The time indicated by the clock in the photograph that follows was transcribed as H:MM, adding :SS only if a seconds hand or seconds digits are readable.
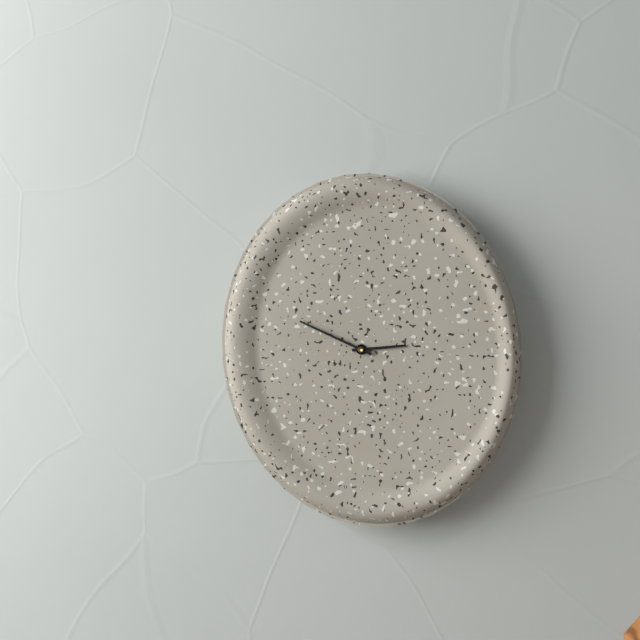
2:49
